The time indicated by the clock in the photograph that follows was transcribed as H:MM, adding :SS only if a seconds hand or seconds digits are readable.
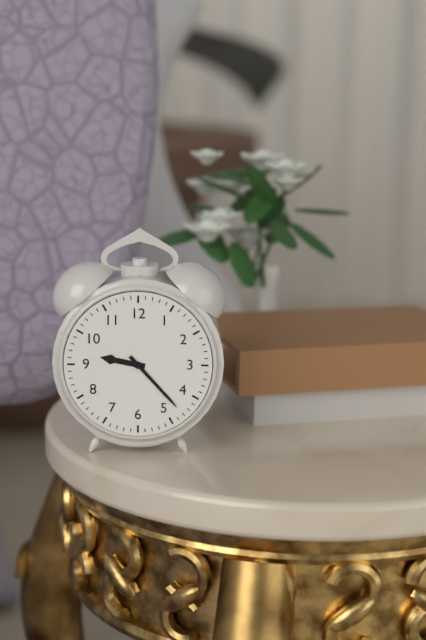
9:23
